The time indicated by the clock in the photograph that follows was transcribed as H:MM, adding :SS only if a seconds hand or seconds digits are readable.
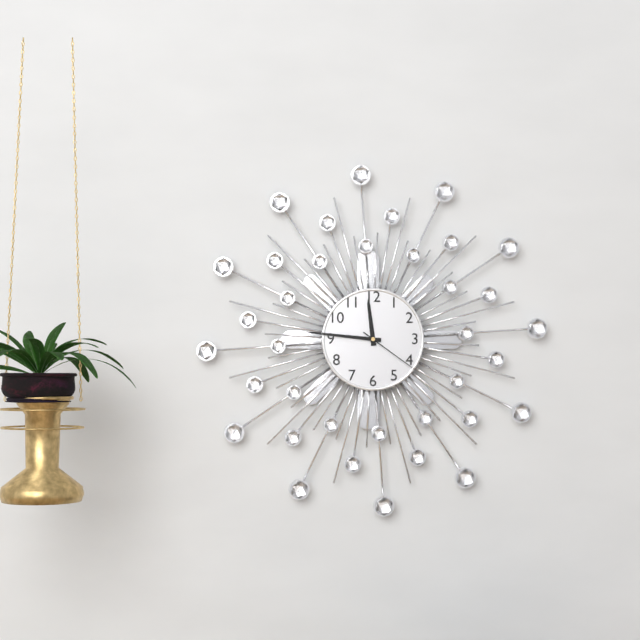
11:46:21
